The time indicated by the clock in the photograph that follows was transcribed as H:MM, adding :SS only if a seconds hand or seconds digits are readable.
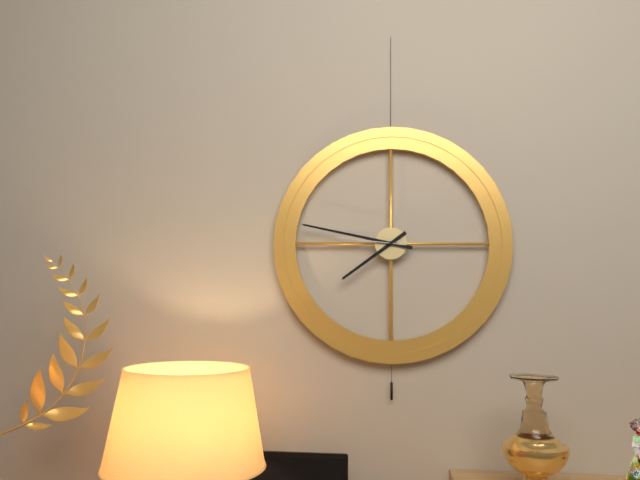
7:47:46
